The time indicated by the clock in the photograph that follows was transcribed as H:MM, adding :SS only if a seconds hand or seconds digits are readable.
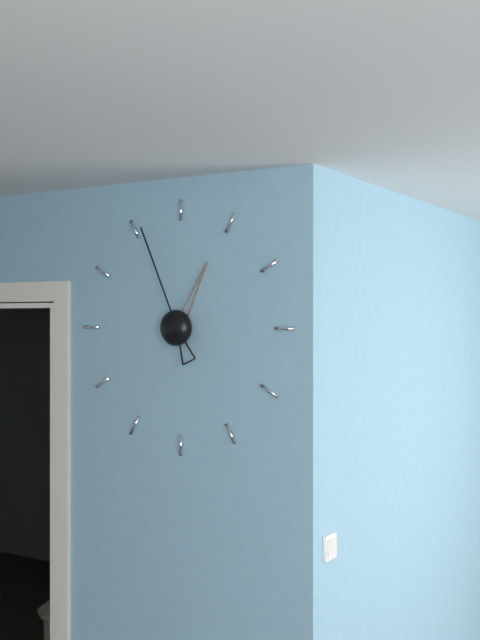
12:56
